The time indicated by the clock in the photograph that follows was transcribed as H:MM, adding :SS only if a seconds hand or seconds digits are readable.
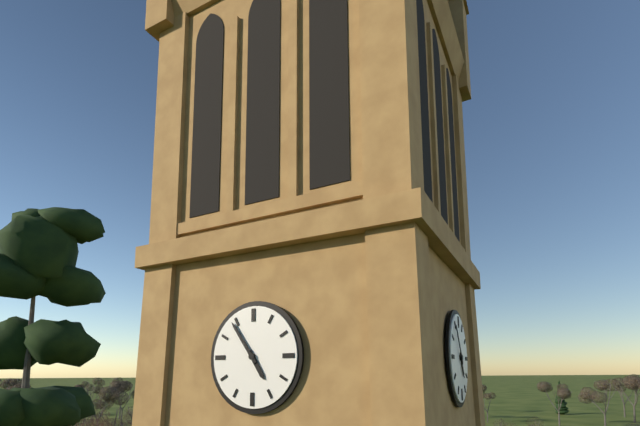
4:54
